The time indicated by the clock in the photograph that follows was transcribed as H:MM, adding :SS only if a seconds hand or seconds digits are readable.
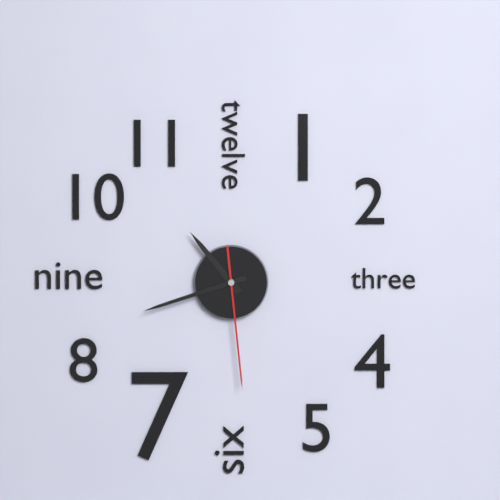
10:42:29
